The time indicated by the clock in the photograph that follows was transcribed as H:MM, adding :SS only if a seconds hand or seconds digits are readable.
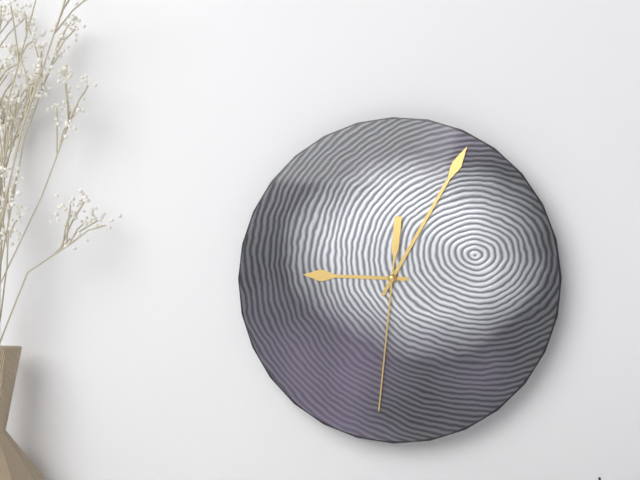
9:05:31
